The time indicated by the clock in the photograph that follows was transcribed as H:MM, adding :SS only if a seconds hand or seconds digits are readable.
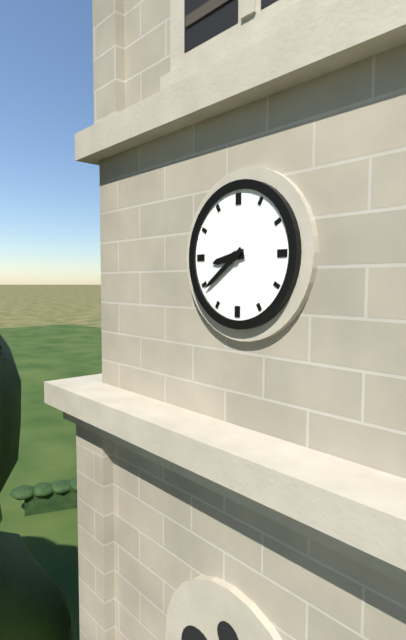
8:39
